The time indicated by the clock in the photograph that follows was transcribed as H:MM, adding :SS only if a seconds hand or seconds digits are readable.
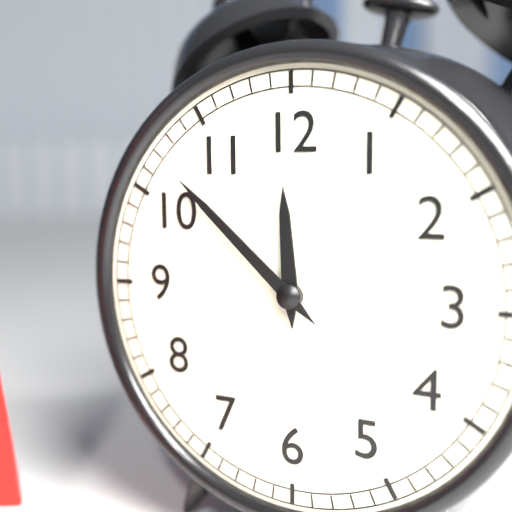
11:52
